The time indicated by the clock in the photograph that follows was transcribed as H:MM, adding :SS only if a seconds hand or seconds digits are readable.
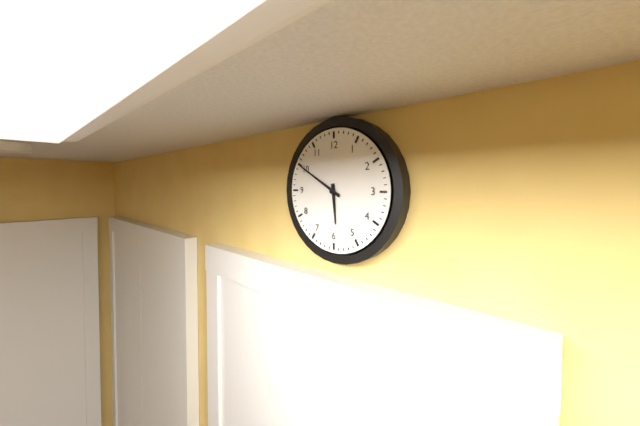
5:50
